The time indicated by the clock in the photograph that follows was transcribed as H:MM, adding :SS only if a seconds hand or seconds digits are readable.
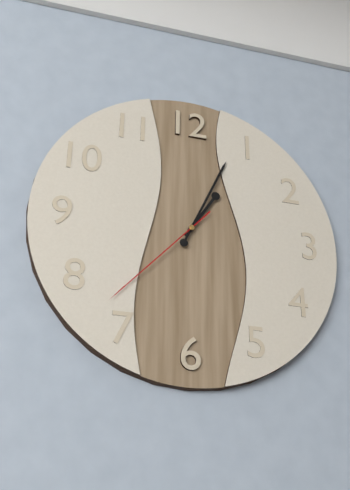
1:04:37
